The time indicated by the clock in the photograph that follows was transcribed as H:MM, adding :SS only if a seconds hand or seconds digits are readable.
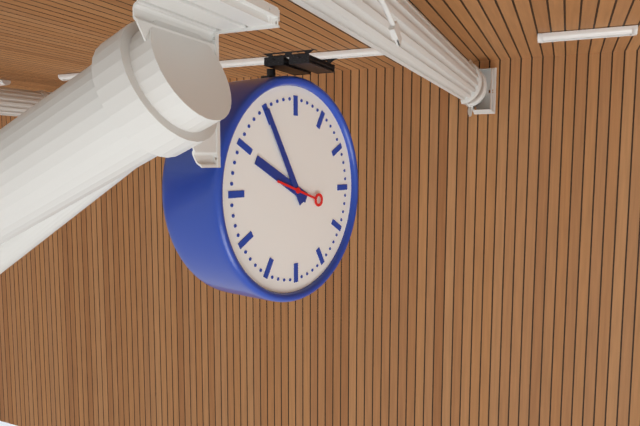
9:55
